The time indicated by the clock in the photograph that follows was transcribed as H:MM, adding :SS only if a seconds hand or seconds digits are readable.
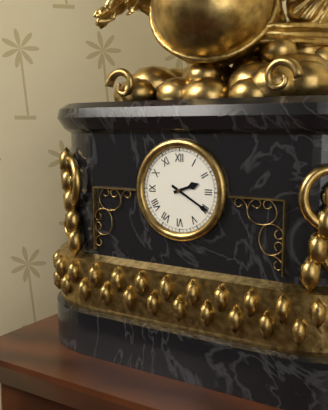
2:20
